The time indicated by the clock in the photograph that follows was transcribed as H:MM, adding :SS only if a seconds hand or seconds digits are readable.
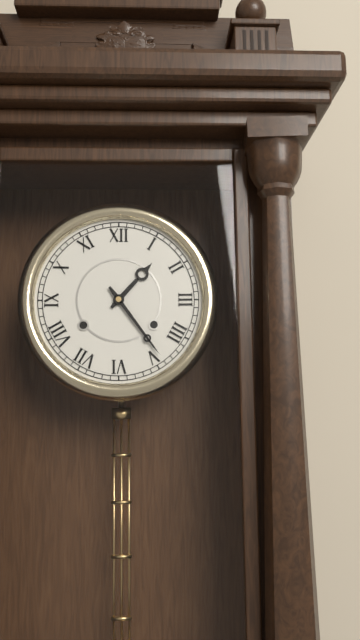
1:24
